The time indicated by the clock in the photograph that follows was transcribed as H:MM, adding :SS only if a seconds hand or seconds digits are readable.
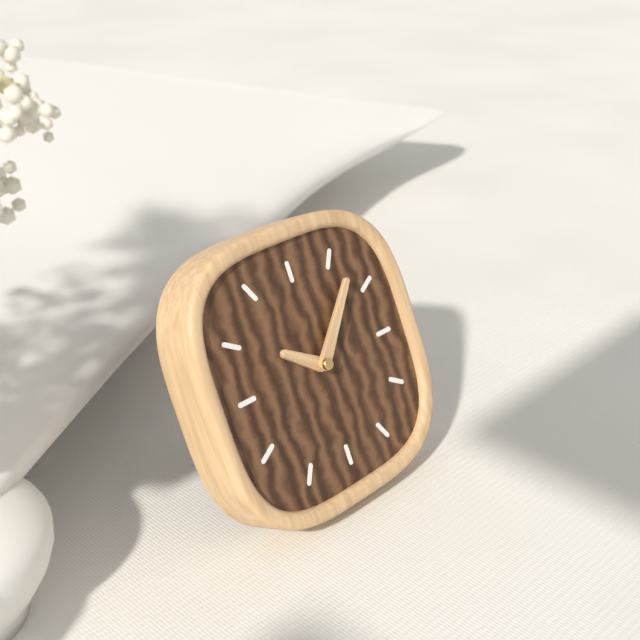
10:07
